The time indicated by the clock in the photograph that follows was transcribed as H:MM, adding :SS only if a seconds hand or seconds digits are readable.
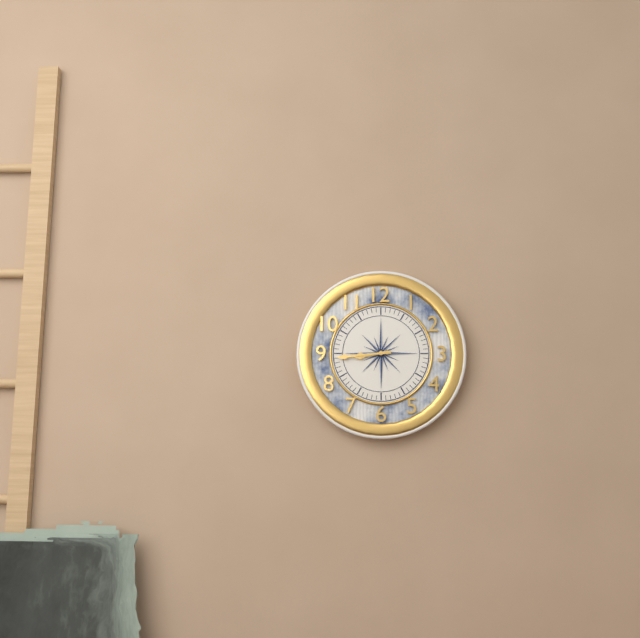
8:44
